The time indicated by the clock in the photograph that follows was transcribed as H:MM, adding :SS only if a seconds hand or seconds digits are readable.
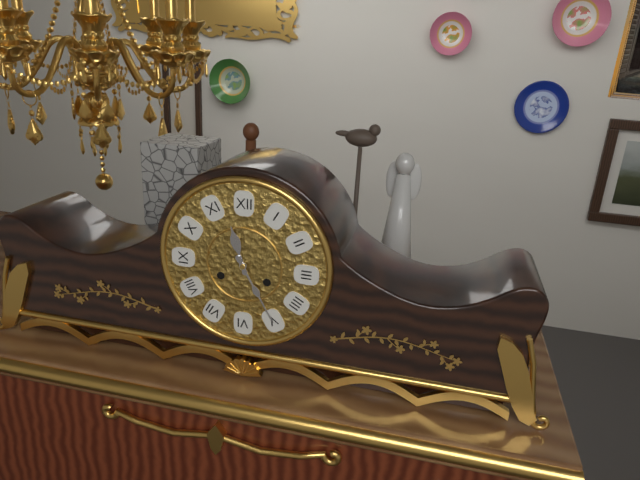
11:25
